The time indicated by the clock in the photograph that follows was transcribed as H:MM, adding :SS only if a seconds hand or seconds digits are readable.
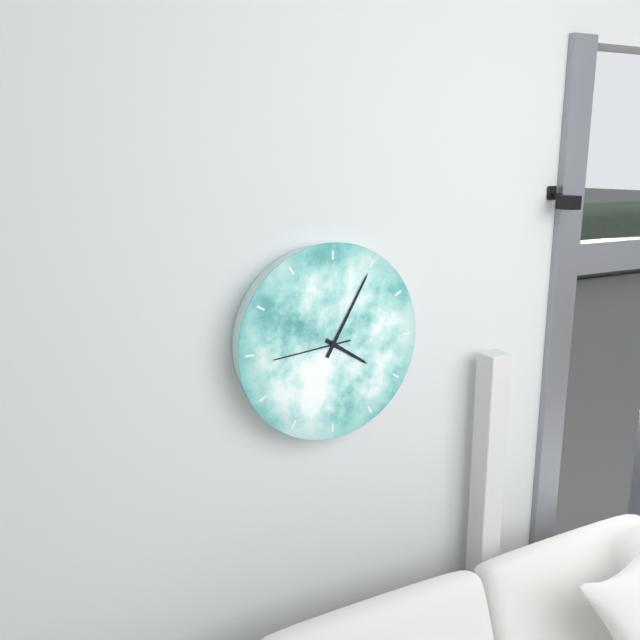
4:05:44
